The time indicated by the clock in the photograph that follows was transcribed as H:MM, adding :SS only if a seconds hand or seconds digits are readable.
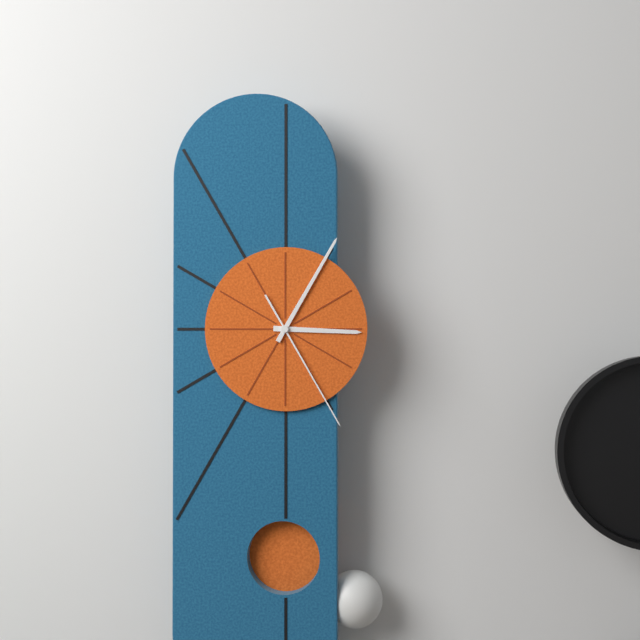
3:05:25
